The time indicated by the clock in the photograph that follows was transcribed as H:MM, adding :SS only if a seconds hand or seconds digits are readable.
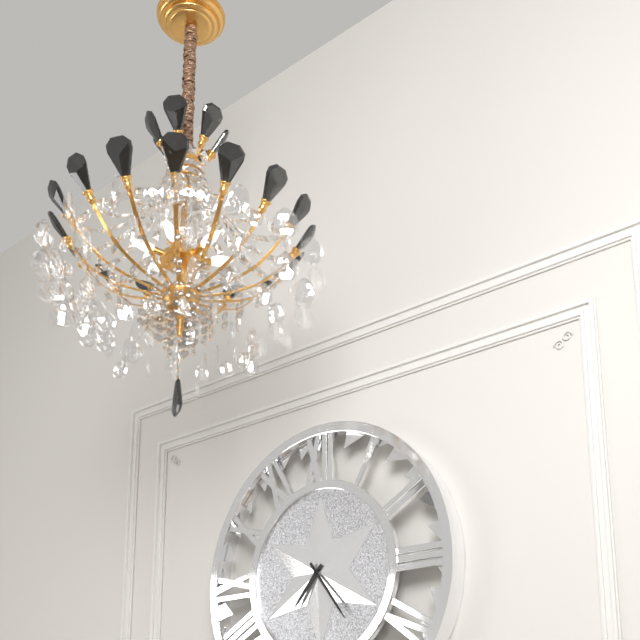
7:24
